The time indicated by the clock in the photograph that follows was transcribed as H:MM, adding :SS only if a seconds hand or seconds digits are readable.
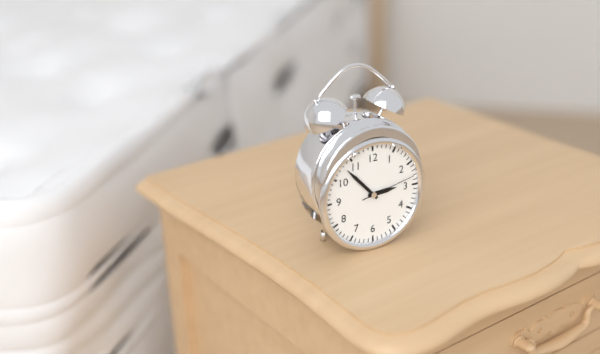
2:53:13
